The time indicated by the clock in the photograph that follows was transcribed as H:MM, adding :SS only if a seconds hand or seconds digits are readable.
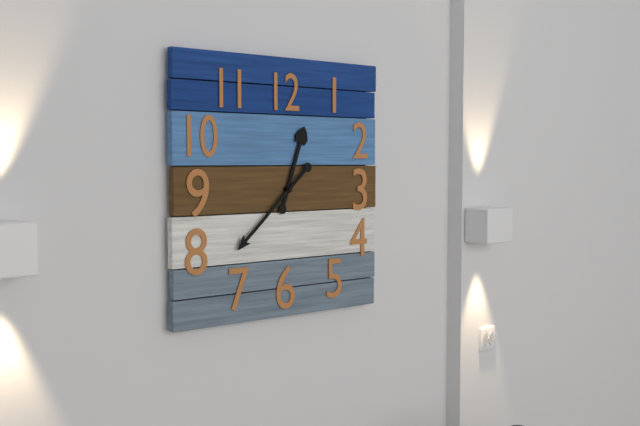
12:38
